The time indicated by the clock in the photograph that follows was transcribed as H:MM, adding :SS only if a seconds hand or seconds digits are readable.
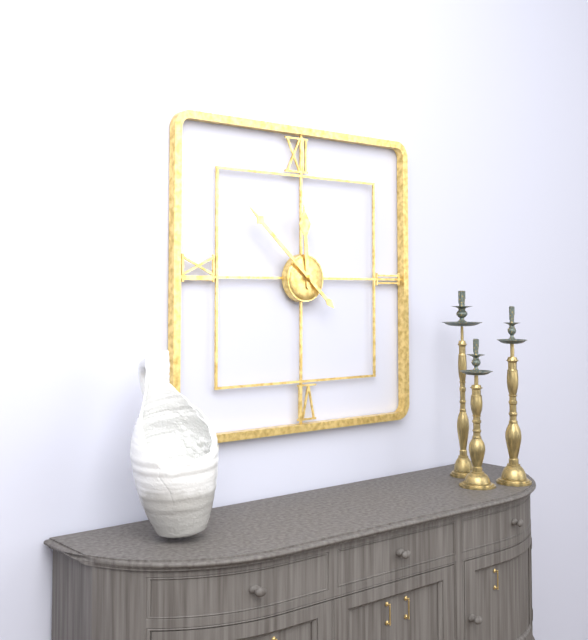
11:52
